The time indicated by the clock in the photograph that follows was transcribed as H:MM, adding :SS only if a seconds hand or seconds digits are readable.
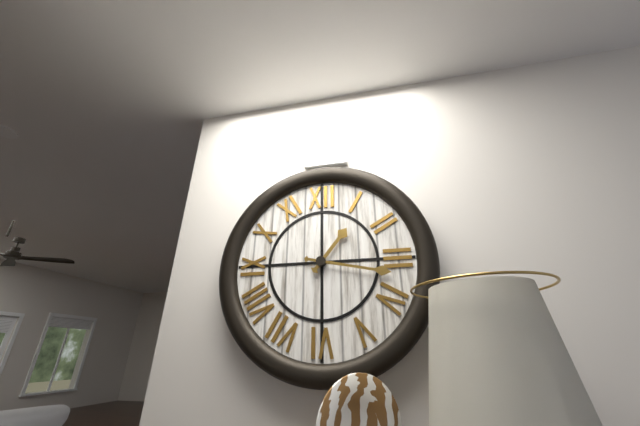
1:17
